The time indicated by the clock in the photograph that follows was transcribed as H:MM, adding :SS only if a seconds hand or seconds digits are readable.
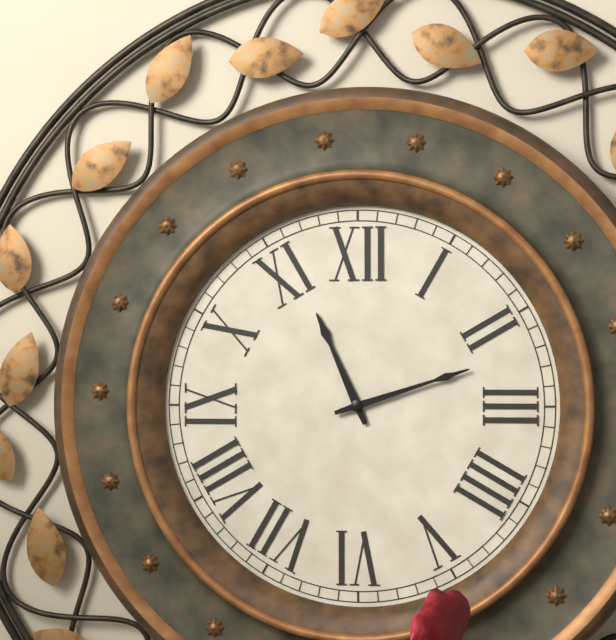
11:12
